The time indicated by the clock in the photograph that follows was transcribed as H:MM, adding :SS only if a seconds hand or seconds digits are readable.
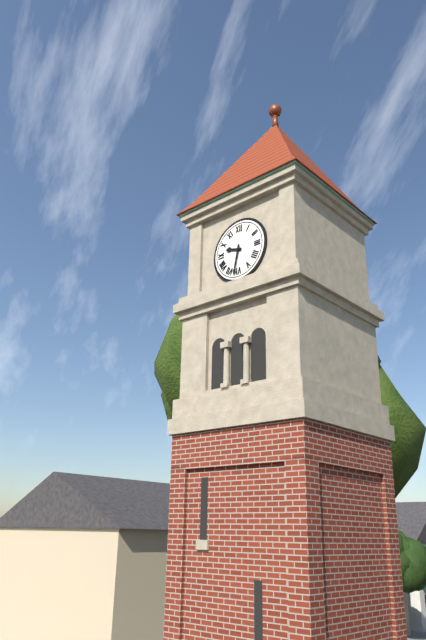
9:32
